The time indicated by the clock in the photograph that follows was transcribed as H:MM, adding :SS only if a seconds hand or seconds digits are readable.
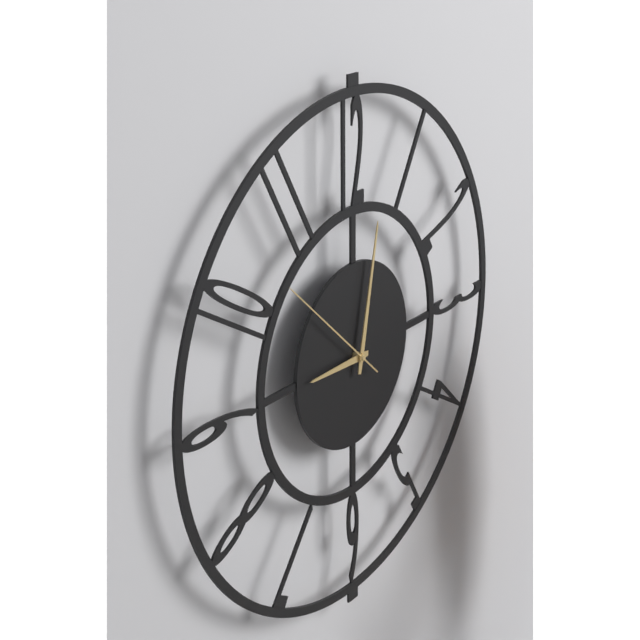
9:02:52
